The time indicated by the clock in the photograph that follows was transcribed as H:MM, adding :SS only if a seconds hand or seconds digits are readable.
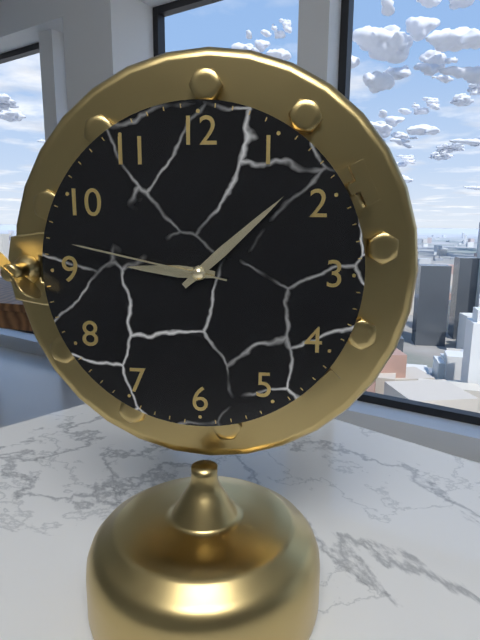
9:08:47
